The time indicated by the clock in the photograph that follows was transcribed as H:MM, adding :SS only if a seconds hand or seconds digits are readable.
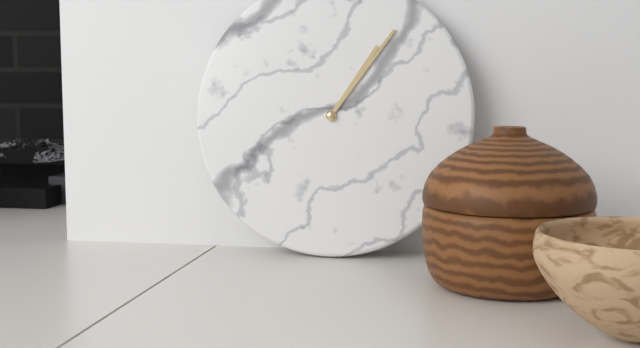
1:06
